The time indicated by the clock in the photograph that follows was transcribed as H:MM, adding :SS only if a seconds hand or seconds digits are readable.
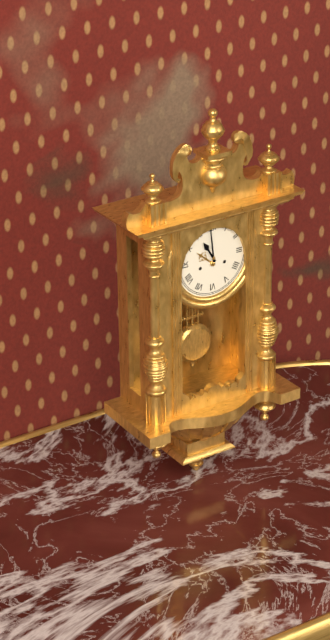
10:59
